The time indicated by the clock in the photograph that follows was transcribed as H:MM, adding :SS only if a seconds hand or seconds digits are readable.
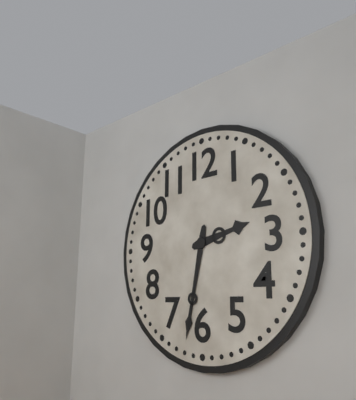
2:32
